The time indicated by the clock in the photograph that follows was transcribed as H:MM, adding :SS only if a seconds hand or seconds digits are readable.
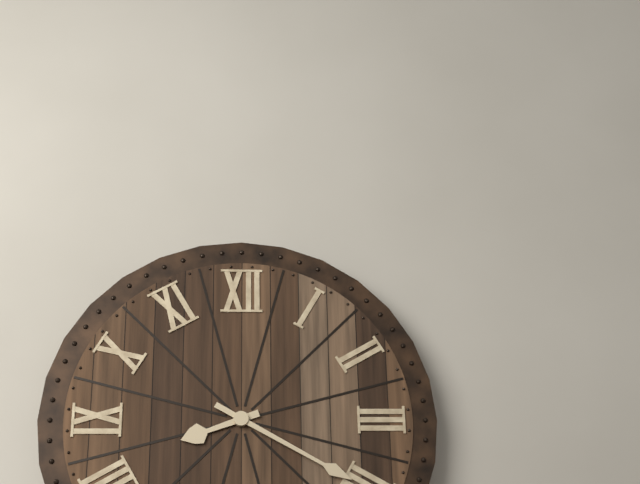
8:20
